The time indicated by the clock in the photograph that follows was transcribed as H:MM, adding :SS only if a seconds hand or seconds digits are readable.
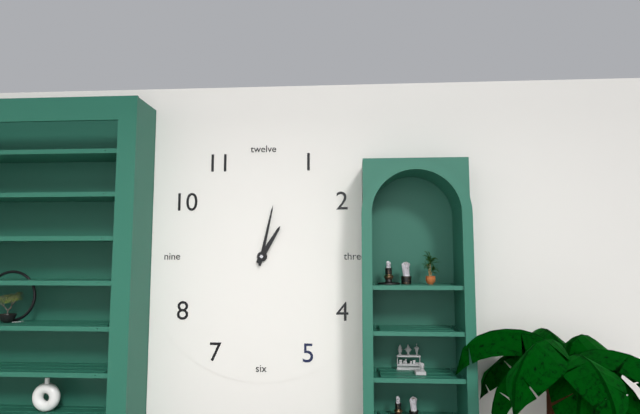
1:02
